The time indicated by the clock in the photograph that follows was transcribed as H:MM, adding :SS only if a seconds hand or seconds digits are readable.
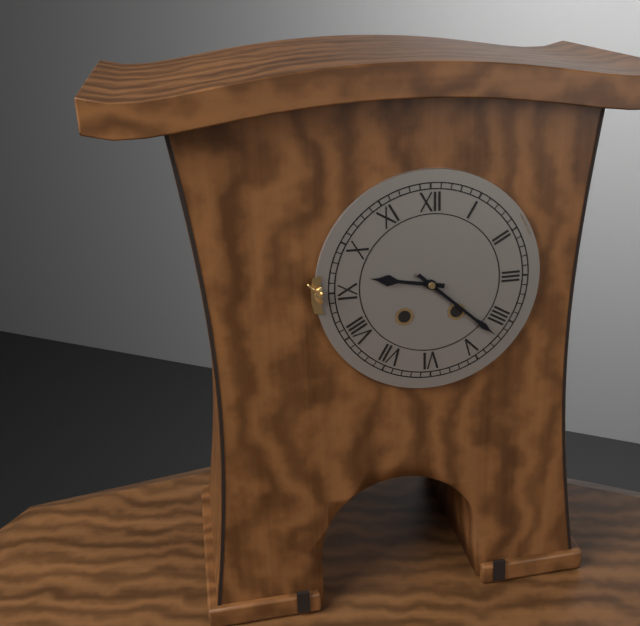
9:22
